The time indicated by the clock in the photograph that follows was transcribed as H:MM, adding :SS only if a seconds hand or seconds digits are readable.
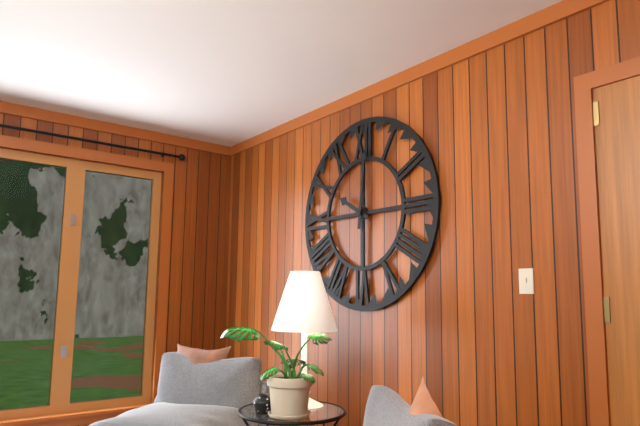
10:01
